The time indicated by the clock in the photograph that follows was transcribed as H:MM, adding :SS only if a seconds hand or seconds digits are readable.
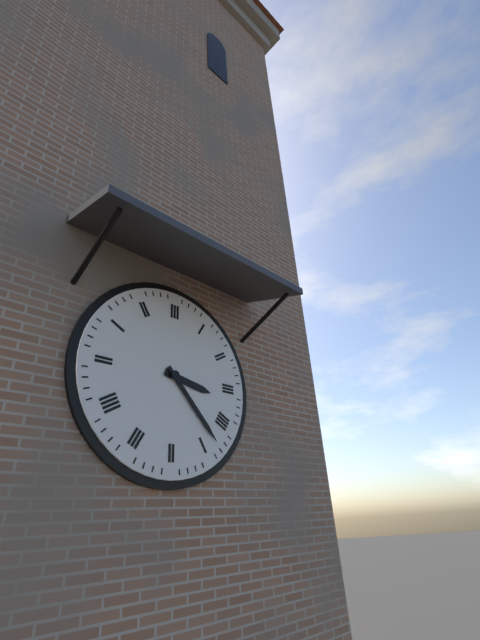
3:23
